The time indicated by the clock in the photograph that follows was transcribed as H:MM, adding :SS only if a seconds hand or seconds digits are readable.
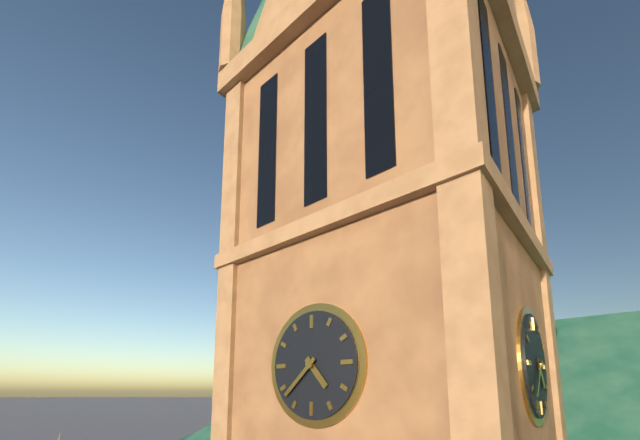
4:38
